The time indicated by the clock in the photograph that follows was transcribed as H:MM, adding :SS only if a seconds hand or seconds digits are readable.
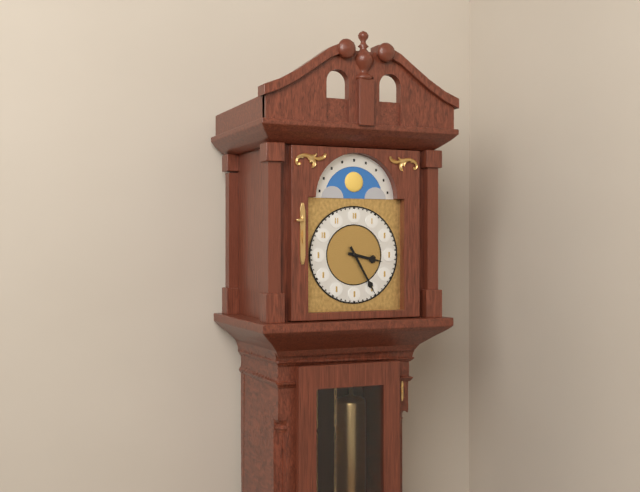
3:25
